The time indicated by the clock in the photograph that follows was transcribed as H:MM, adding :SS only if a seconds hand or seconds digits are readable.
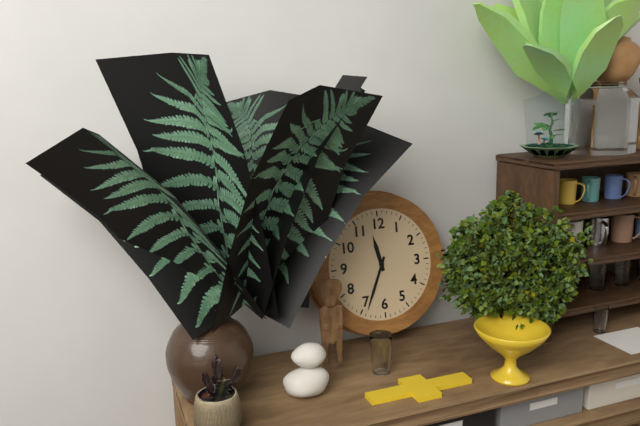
11:34
